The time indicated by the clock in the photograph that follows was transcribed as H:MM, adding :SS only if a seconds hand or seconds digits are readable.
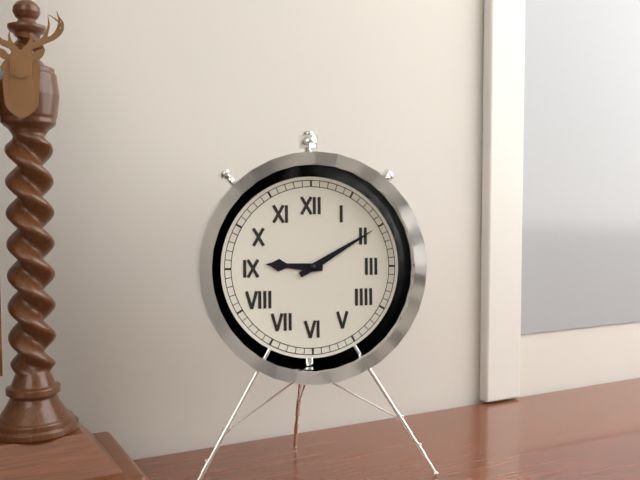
9:10
